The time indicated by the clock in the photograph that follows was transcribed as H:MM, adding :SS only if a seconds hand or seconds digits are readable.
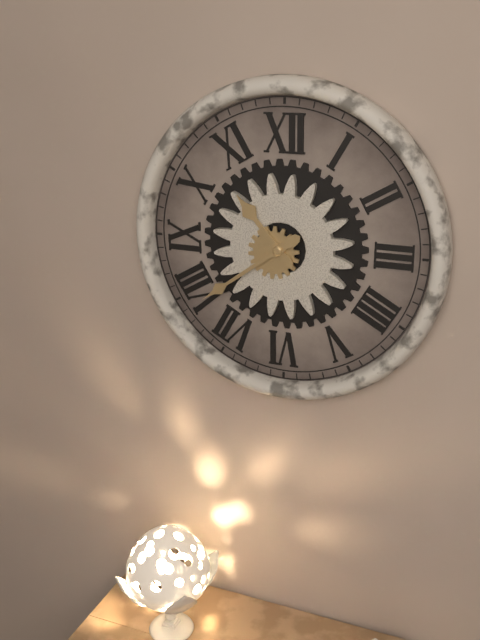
10:39
